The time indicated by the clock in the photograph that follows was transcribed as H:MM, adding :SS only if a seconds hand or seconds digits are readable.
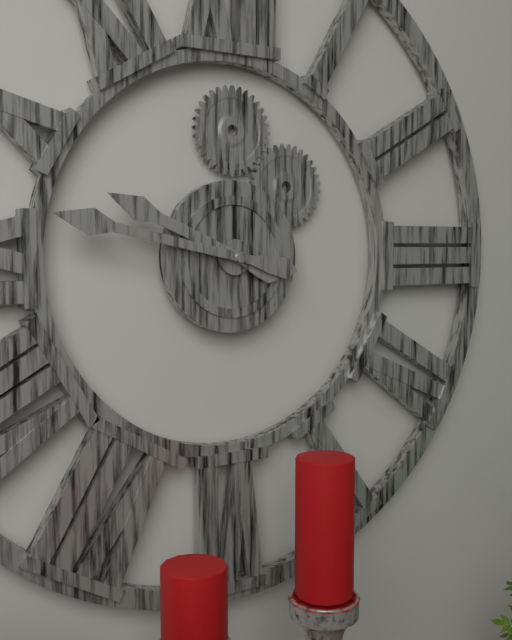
9:47
